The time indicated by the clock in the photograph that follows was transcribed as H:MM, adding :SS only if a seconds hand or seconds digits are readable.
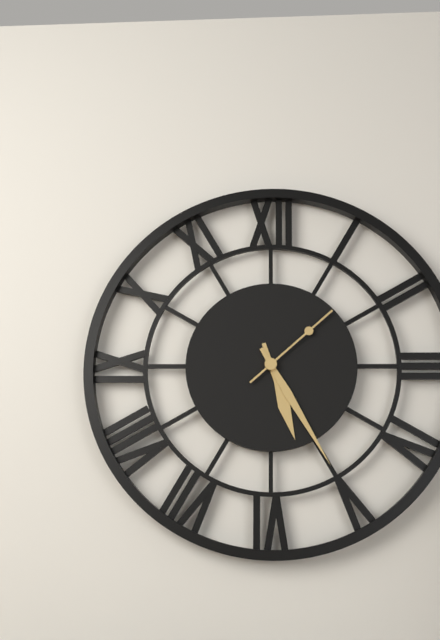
5:25:08
